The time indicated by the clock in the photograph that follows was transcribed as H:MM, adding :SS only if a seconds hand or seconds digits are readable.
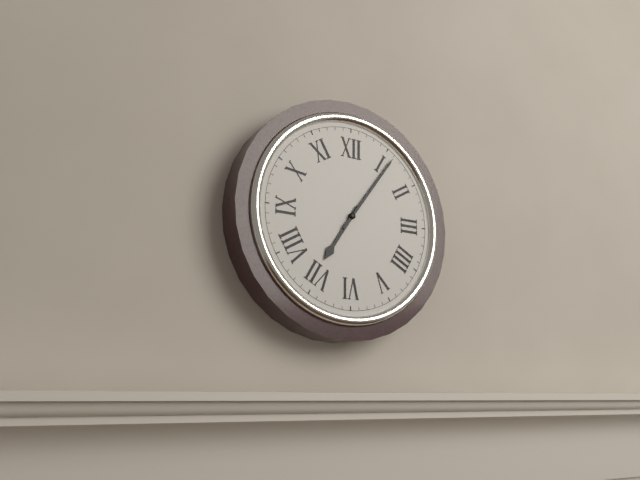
7:06
